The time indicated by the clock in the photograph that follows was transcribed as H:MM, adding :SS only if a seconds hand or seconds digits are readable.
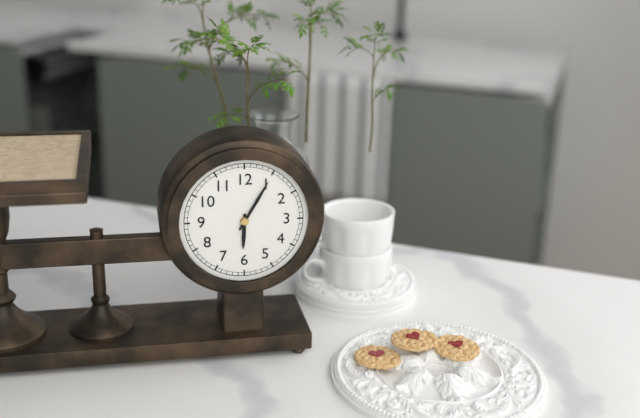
6:05
